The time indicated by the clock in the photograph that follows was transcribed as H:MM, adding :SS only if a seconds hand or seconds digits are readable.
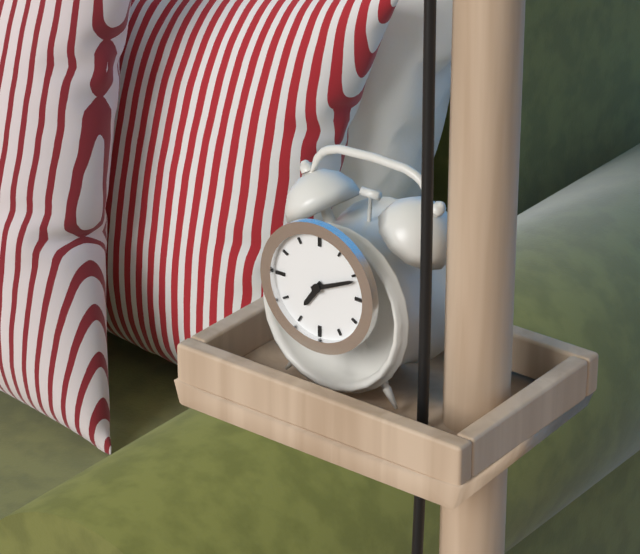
7:11
